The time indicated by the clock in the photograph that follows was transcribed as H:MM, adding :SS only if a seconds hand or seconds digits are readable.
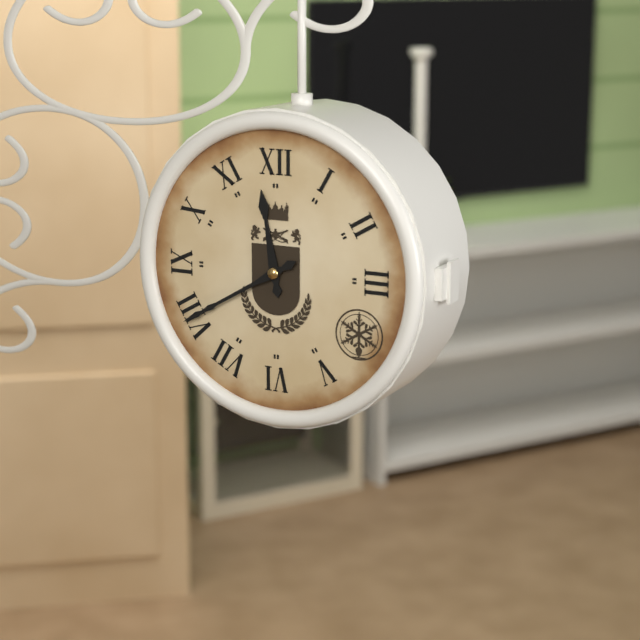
11:40
